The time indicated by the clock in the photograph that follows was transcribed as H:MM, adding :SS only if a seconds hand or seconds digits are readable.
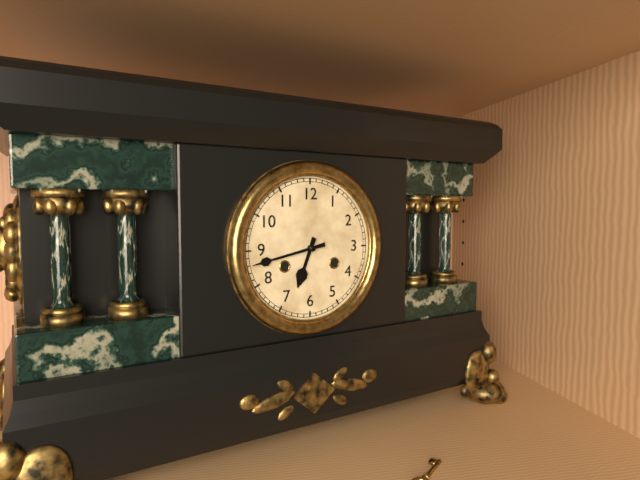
6:43
